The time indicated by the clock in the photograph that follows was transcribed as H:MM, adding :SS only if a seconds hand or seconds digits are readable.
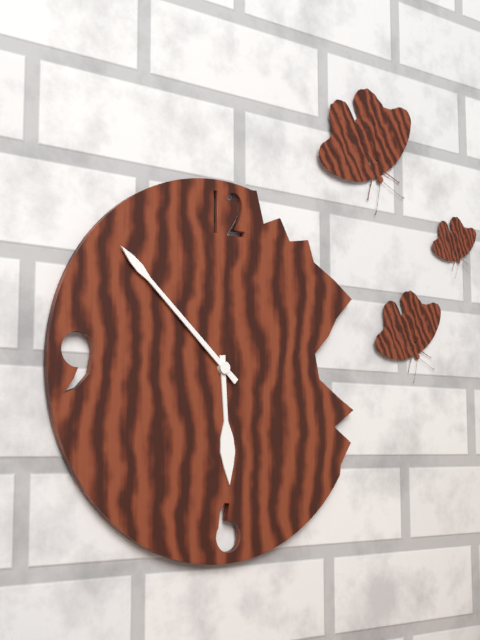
5:52
